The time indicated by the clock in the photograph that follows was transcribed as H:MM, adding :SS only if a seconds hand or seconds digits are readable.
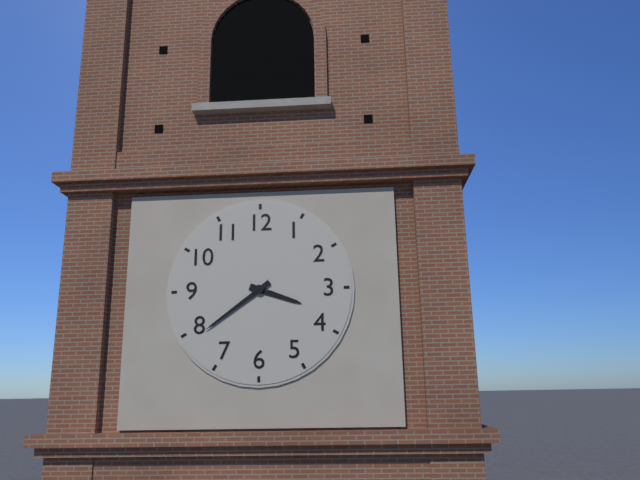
3:39
